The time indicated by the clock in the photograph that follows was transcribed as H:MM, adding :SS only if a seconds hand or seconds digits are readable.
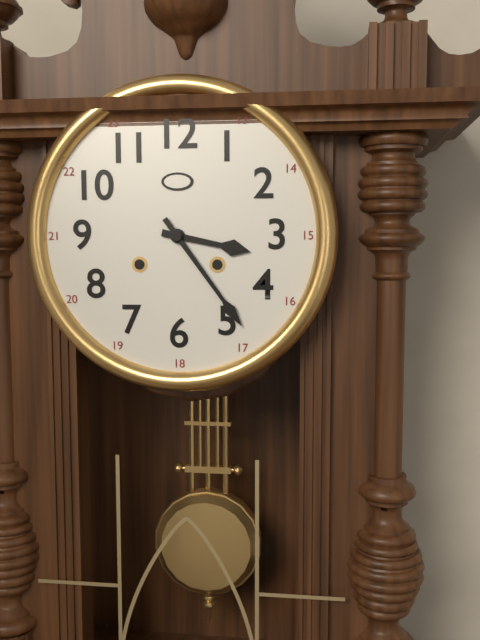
3:24
